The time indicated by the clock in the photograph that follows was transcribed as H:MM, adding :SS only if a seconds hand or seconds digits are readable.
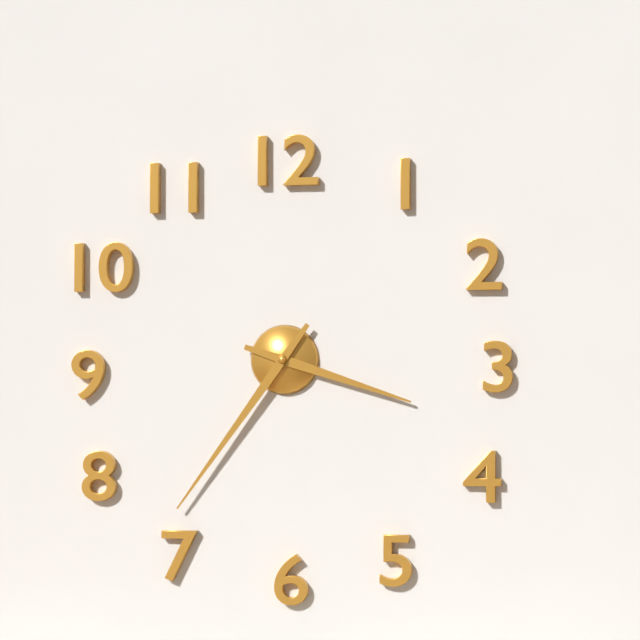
3:36
